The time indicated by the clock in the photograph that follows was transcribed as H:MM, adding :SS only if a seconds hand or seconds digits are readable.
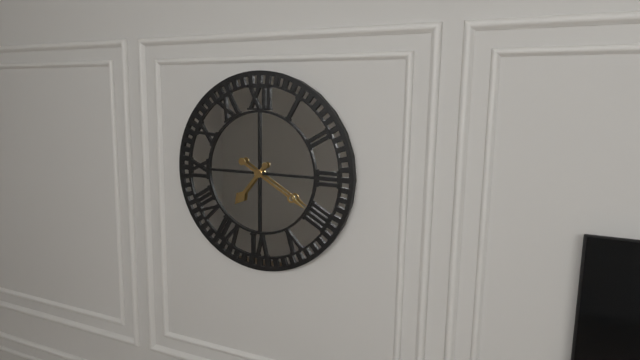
7:20
